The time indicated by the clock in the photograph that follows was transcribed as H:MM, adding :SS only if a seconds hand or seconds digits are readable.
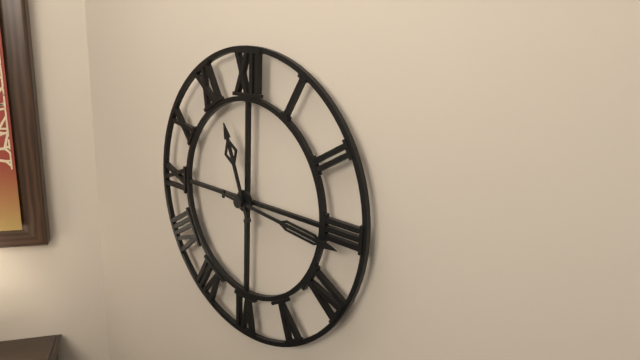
11:16
